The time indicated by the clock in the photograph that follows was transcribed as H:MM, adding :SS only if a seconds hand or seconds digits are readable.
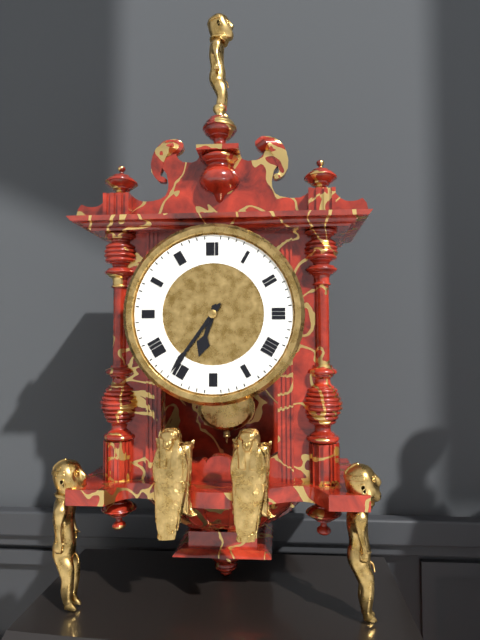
6:36
